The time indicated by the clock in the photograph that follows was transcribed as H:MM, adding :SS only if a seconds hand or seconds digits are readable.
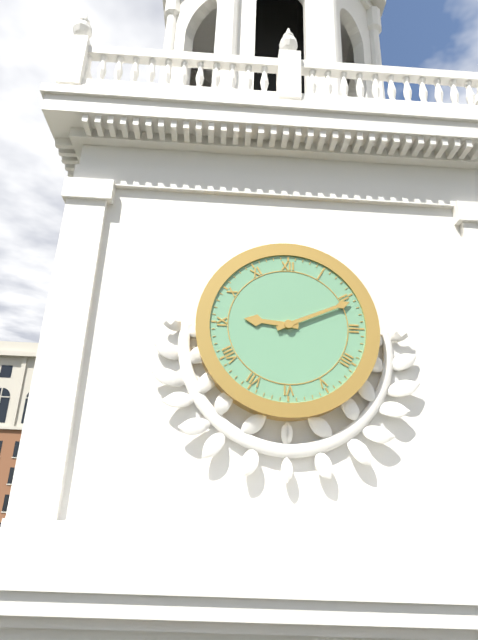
9:11
